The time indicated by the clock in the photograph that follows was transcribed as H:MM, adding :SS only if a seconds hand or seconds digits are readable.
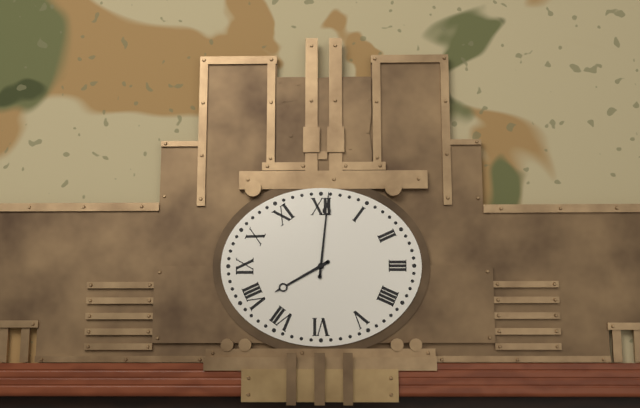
8:01
